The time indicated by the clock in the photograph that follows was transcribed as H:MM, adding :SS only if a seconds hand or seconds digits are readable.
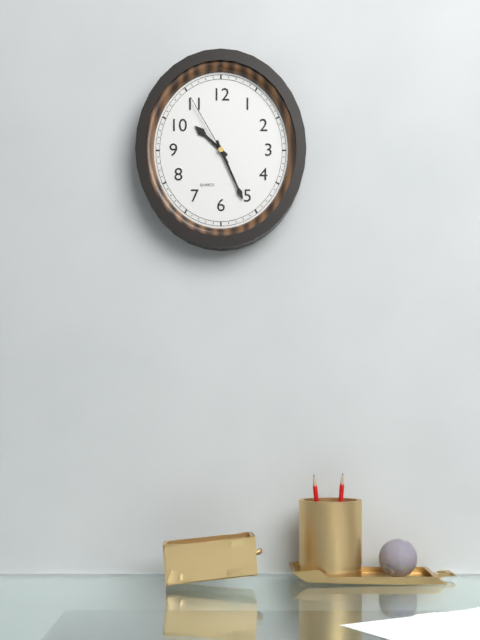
10:26:55
